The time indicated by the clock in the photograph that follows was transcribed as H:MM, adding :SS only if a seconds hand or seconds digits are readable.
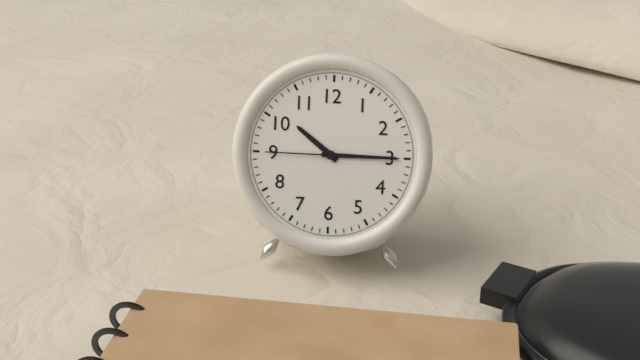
10:15:45
